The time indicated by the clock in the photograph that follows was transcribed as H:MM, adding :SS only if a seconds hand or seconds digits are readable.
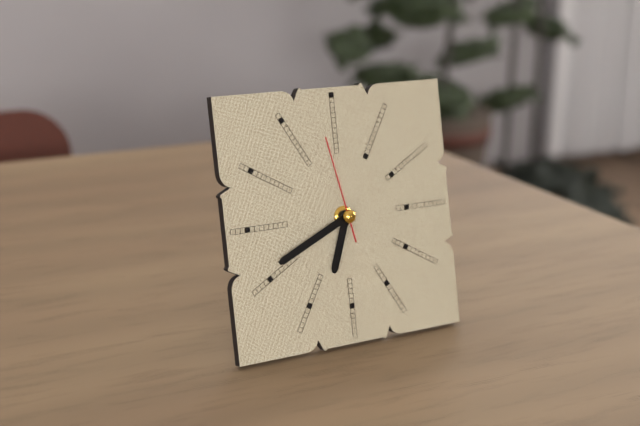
6:41:58
